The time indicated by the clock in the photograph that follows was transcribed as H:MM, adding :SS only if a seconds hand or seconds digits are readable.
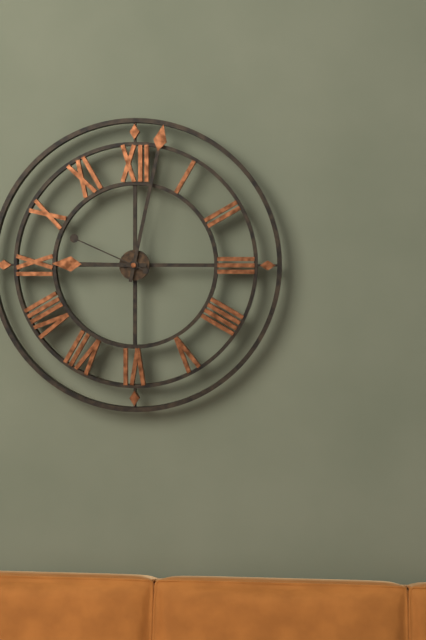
9:02:49
